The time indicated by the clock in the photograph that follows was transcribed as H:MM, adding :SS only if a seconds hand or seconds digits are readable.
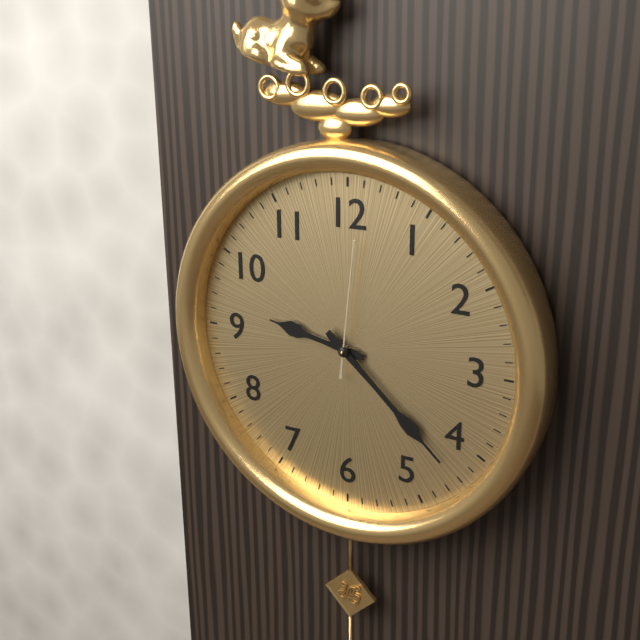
9:22:01
